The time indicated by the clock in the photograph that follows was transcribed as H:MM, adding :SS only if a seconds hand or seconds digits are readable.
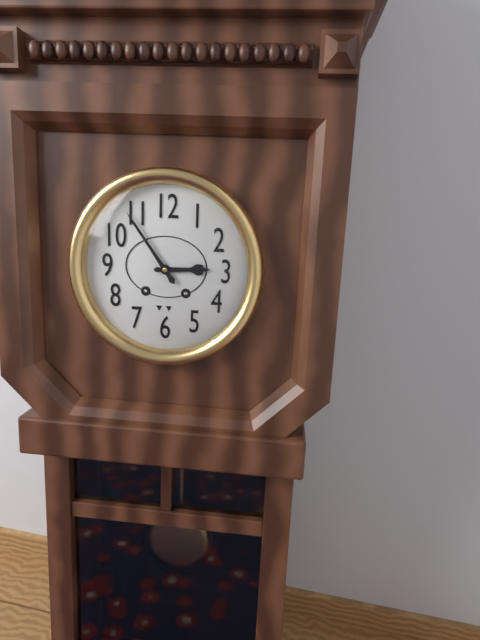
2:54
